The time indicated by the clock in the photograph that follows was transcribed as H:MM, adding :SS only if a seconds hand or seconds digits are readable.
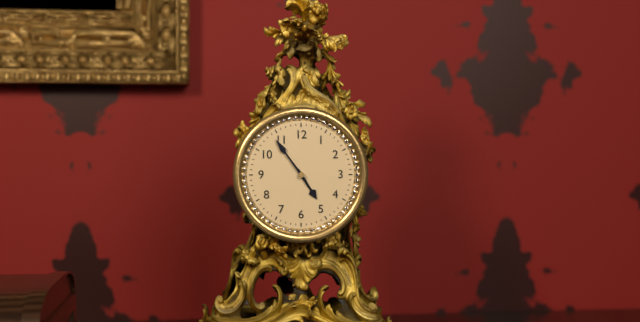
4:54
